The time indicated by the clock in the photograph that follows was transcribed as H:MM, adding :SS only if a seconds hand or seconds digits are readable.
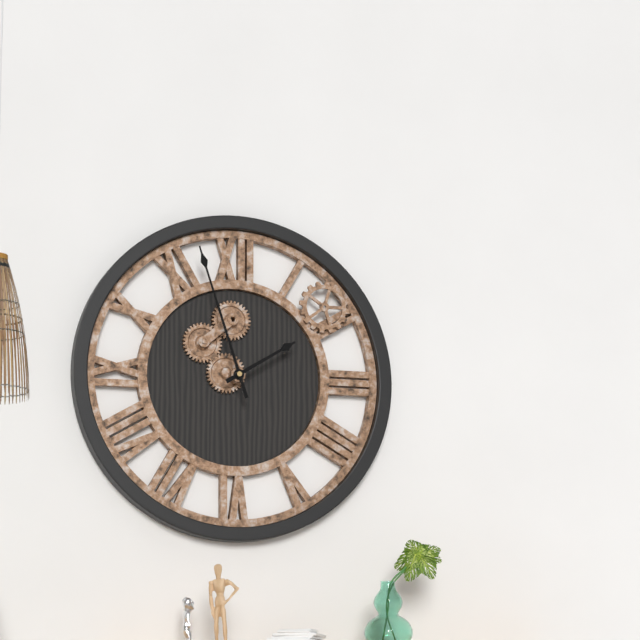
1:57
